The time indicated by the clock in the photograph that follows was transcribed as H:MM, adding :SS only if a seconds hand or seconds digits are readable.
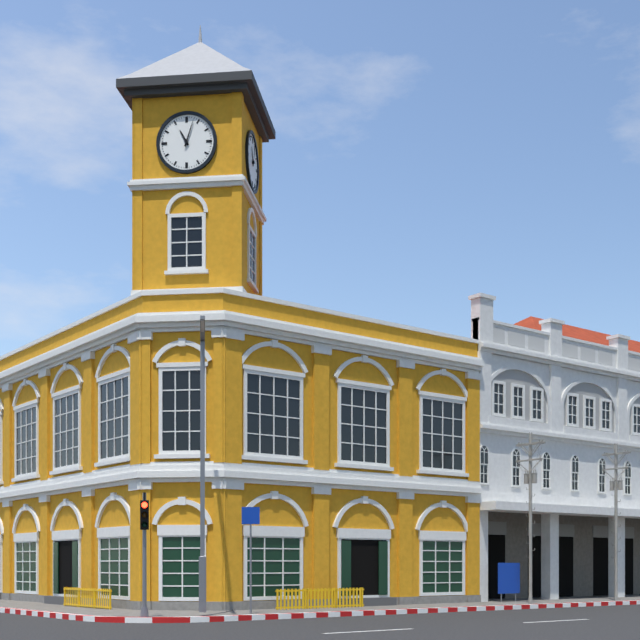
11:03
